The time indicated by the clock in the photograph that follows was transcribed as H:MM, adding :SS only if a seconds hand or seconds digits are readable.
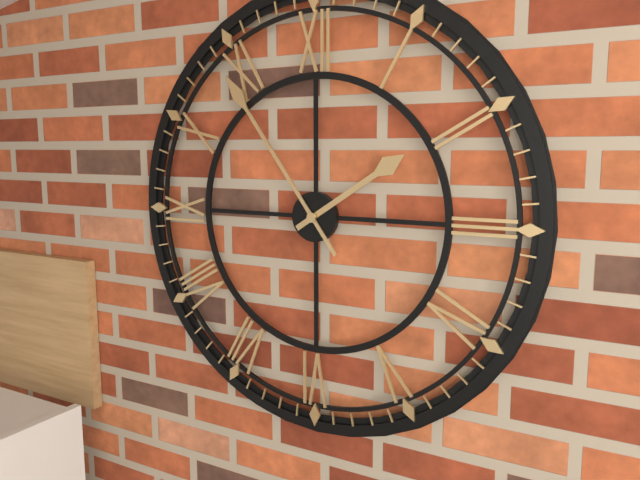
1:54
